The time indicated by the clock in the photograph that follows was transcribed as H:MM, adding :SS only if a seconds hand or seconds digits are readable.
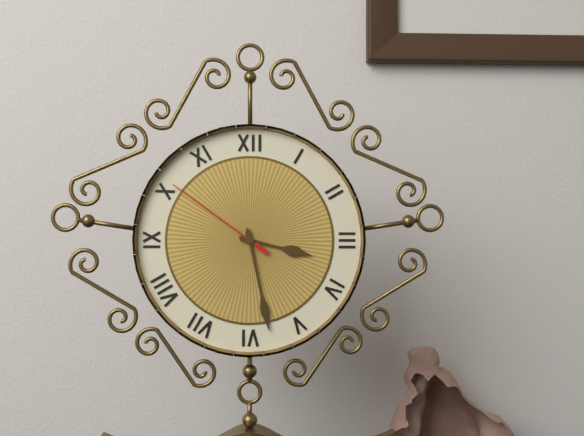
3:28:51
